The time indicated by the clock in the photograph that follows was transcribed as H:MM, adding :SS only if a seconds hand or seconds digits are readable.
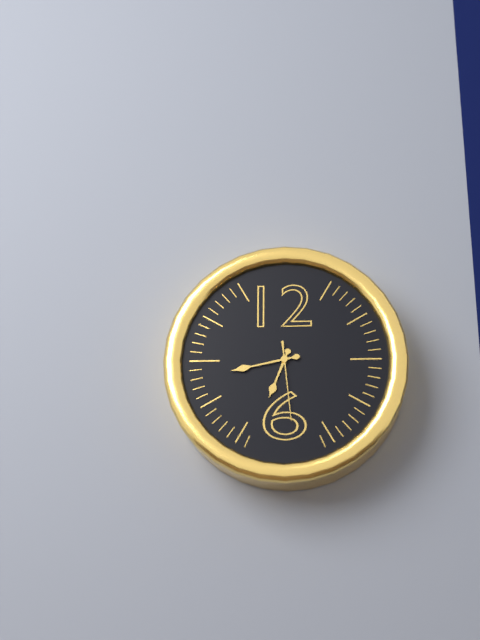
6:43:29
